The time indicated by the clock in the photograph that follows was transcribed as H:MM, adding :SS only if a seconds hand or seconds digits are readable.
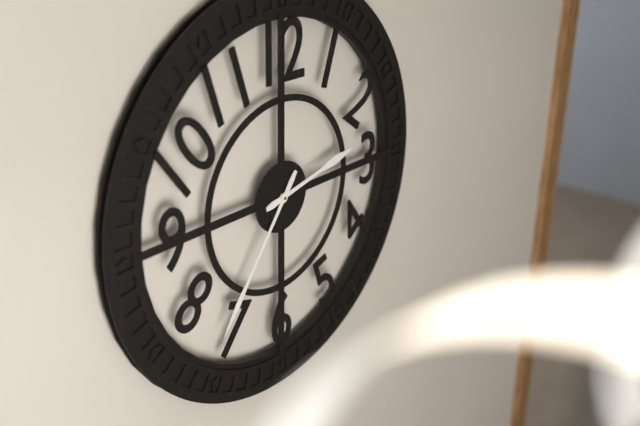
2:36
